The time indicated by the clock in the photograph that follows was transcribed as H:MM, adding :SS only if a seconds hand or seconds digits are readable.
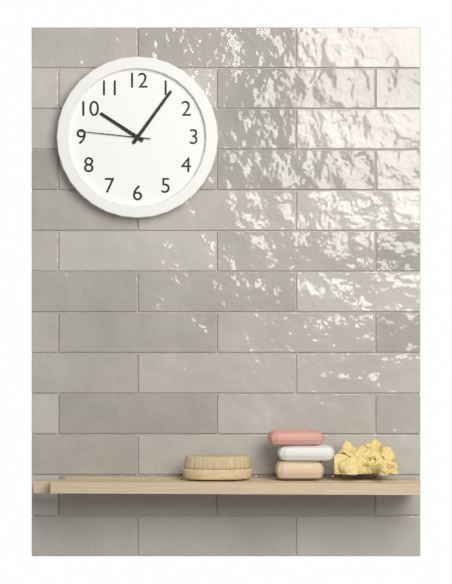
10:06:46
